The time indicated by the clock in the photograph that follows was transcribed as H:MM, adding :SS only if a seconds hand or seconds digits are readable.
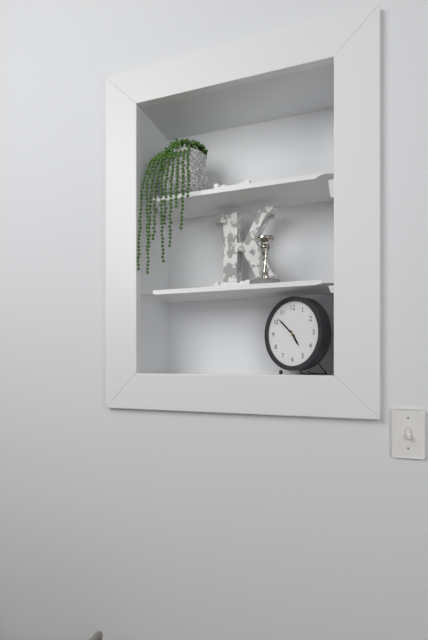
4:52
